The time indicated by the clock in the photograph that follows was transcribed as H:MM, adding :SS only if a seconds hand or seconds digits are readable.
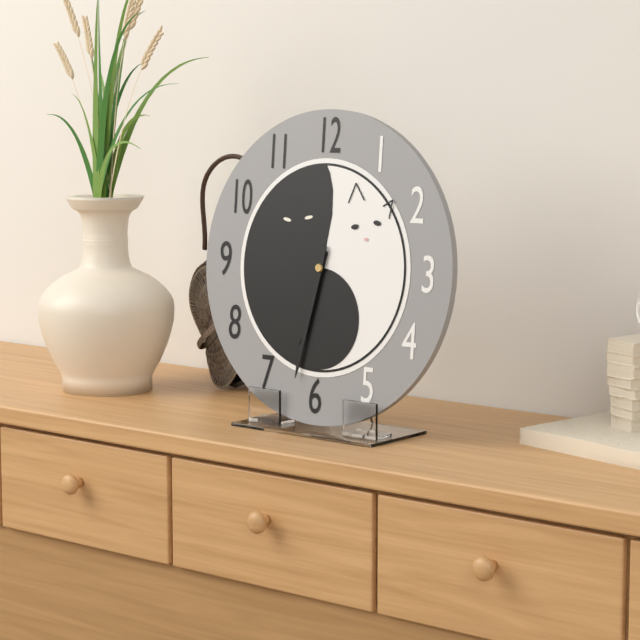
6:32
